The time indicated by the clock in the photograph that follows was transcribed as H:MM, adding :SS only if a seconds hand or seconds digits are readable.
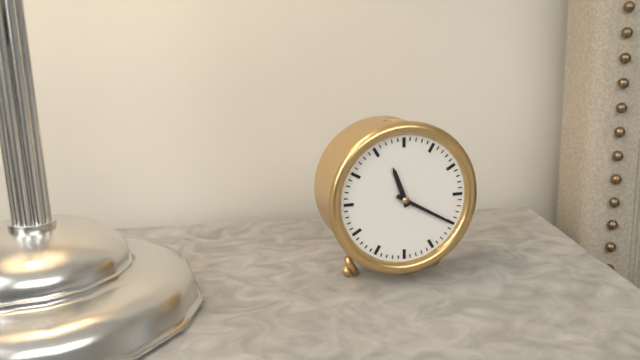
11:20
